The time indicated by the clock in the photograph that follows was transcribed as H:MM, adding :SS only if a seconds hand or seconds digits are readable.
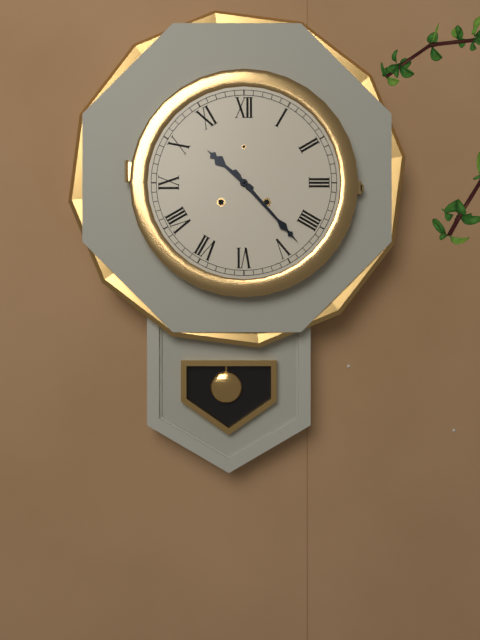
10:23
